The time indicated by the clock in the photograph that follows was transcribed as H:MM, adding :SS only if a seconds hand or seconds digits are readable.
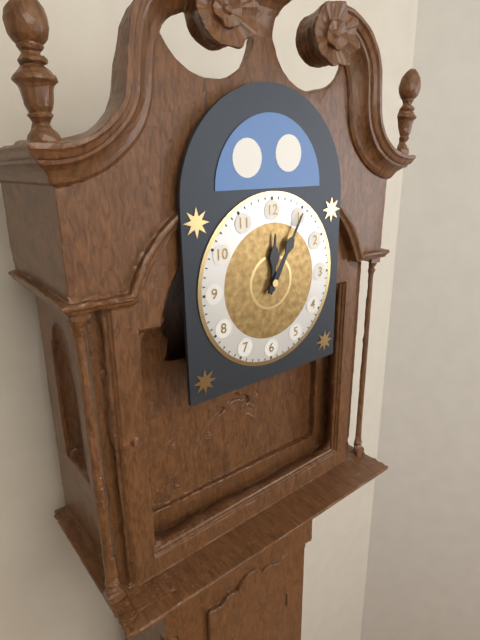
12:05
